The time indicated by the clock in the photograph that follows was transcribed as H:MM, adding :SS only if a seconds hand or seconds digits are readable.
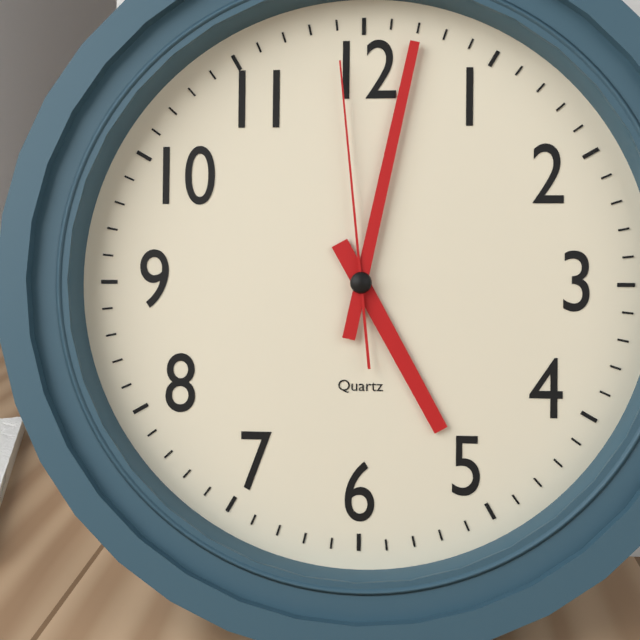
5:02:59
